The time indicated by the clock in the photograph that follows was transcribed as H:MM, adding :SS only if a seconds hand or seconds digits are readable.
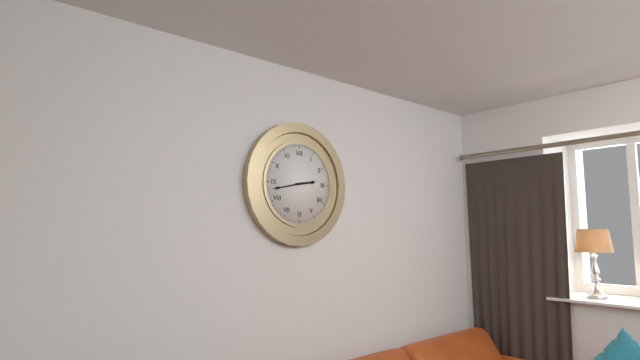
2:43
